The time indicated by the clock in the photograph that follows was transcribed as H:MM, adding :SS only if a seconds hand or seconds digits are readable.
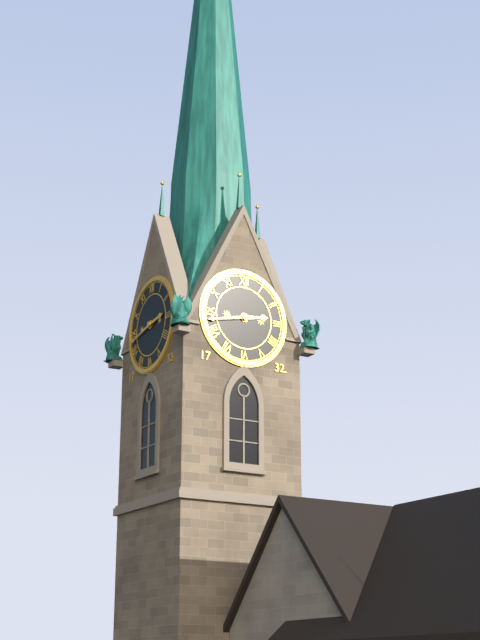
2:43
